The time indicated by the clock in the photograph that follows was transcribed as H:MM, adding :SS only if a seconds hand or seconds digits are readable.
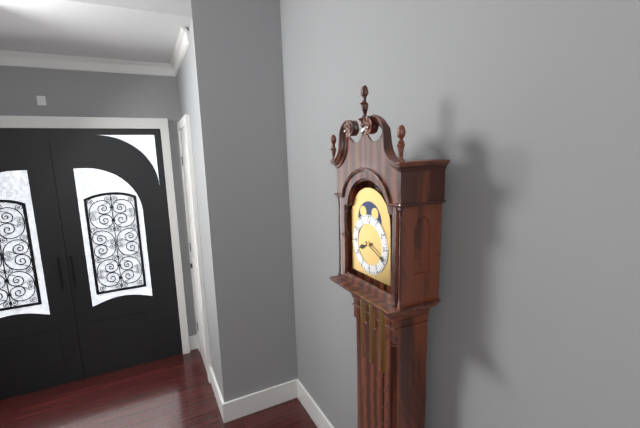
8:19
